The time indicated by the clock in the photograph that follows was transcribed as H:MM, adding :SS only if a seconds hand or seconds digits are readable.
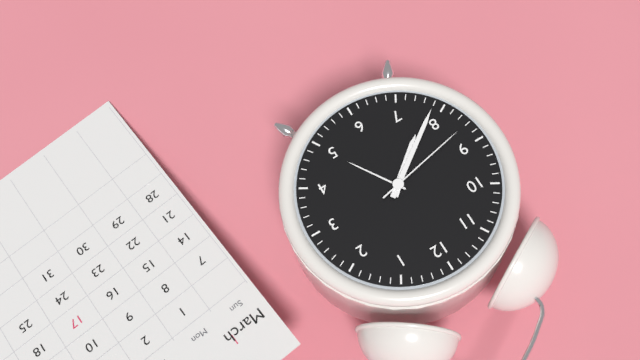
7:39:43
